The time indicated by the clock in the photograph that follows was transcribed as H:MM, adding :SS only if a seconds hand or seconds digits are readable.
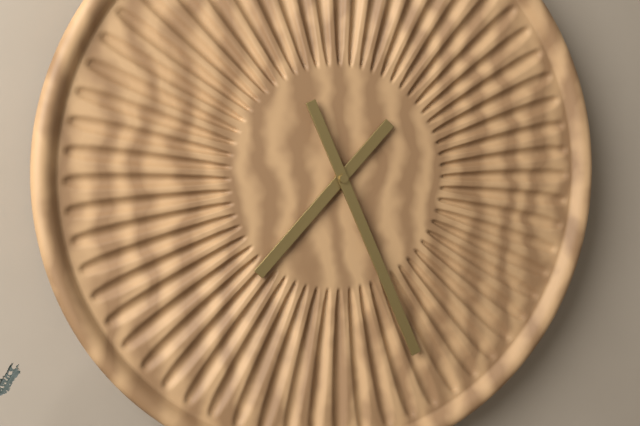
7:26
